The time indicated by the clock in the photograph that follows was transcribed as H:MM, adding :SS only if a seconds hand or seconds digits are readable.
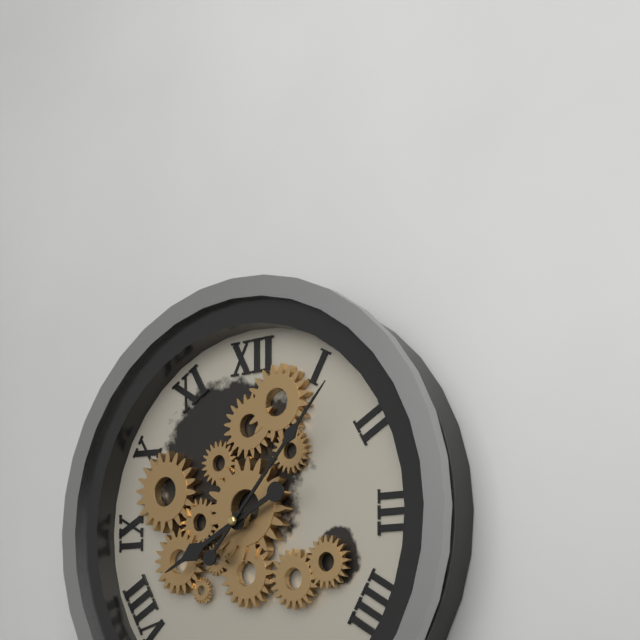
8:07
